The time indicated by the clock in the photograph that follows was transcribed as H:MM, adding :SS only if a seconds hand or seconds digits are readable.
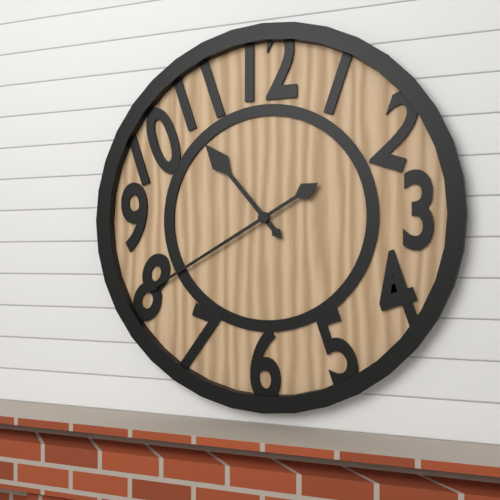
10:40
